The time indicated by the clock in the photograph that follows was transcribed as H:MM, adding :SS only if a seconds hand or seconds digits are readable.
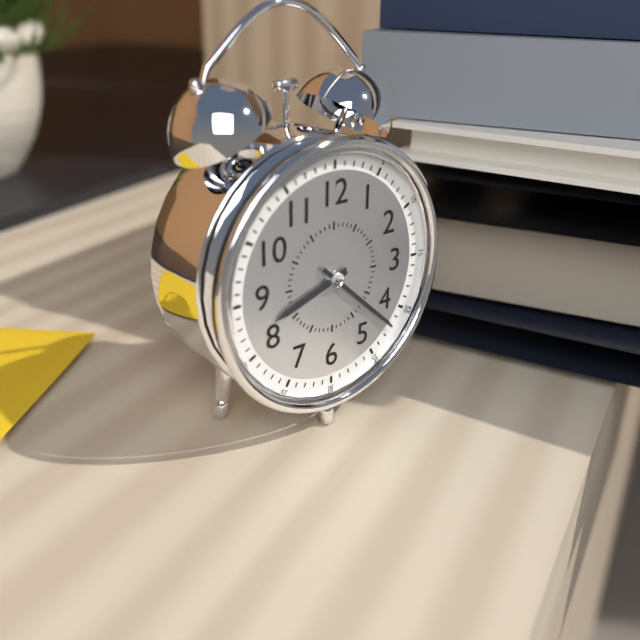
8:22
